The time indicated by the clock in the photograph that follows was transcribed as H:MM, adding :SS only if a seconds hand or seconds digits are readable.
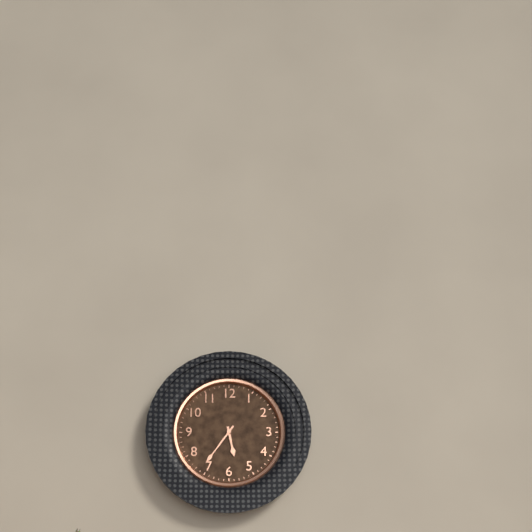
5:36
